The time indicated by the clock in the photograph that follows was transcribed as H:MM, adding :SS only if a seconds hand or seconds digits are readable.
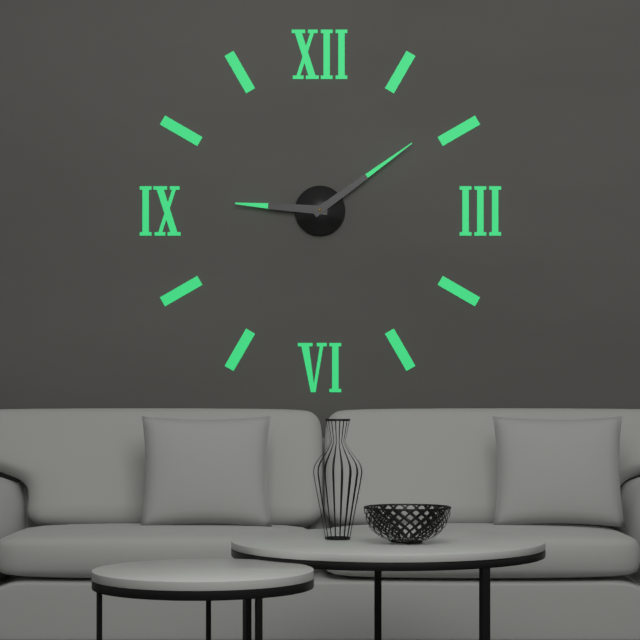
9:09
